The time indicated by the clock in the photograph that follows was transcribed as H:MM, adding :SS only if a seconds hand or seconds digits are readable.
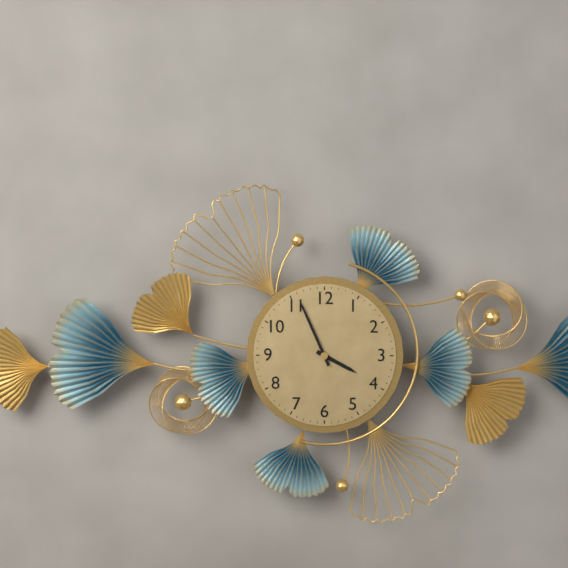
3:56
